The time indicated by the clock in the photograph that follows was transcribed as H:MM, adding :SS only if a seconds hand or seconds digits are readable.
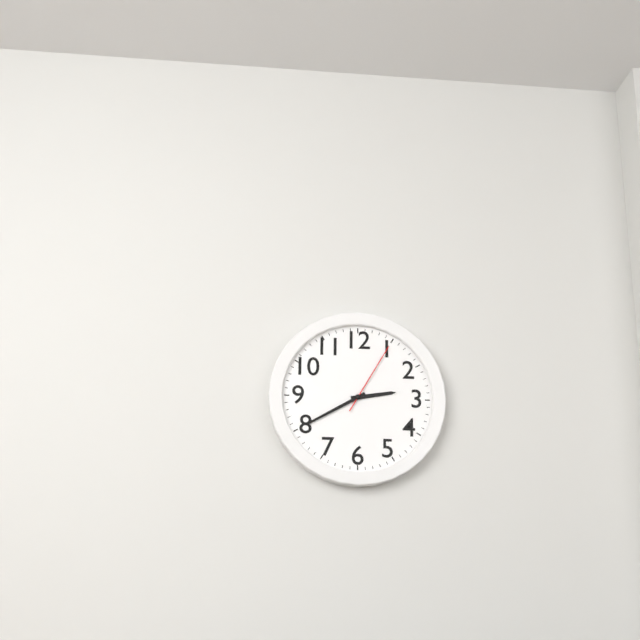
2:40:05
